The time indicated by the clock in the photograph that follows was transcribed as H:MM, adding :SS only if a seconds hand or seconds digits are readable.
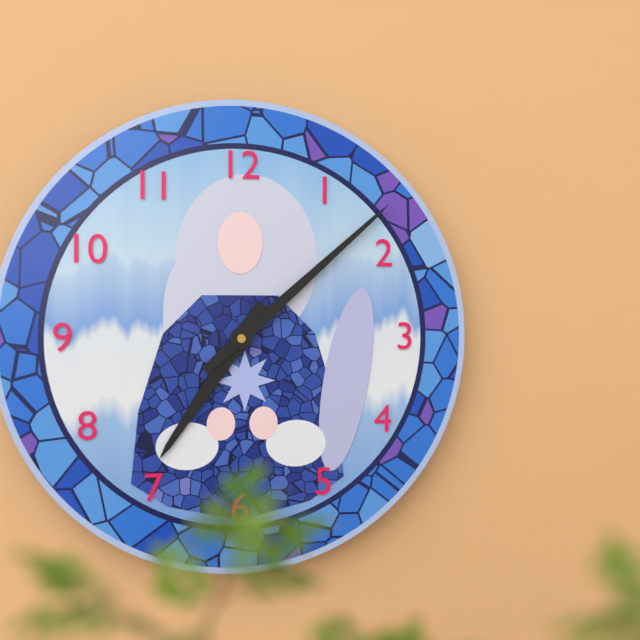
7:08
